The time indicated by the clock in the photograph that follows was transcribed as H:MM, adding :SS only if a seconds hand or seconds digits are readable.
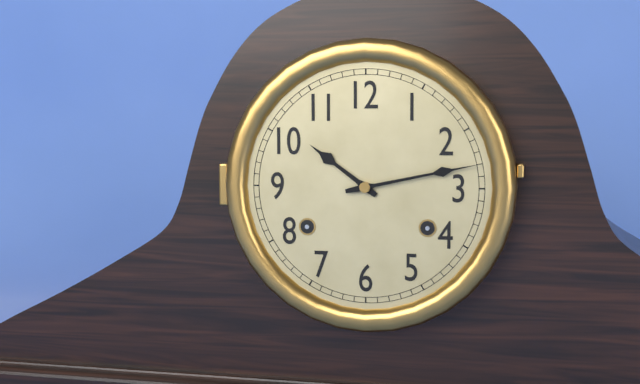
10:13
